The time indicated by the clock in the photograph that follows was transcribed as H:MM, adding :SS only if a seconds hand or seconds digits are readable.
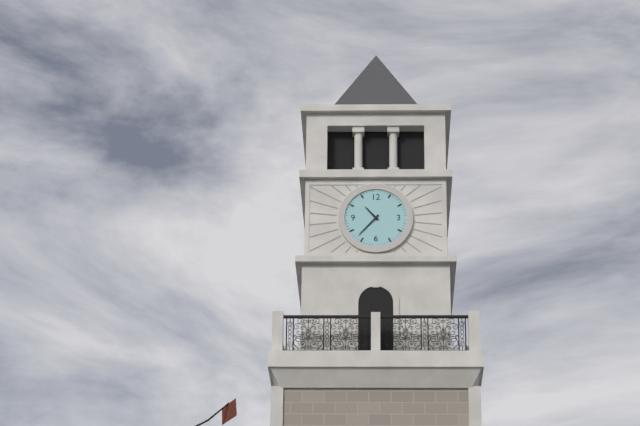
10:37
